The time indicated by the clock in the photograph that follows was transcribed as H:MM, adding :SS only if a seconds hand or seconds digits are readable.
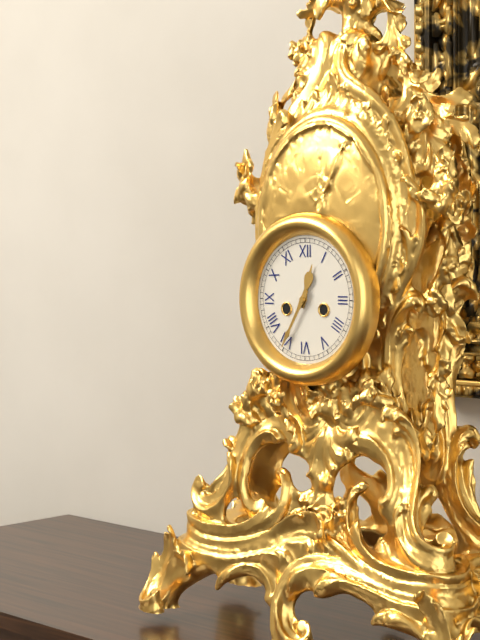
12:35
